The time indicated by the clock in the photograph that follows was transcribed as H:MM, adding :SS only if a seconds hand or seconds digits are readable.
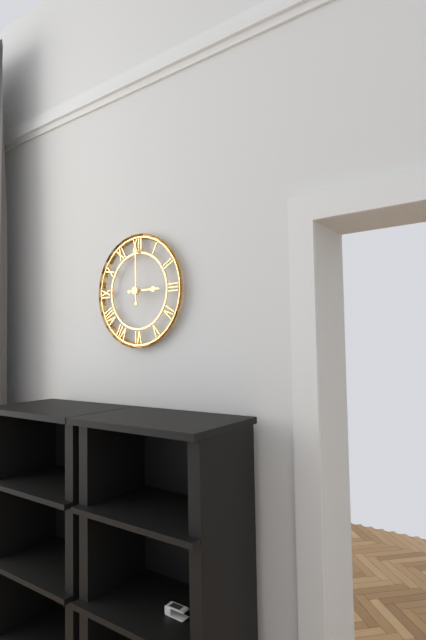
3:00
